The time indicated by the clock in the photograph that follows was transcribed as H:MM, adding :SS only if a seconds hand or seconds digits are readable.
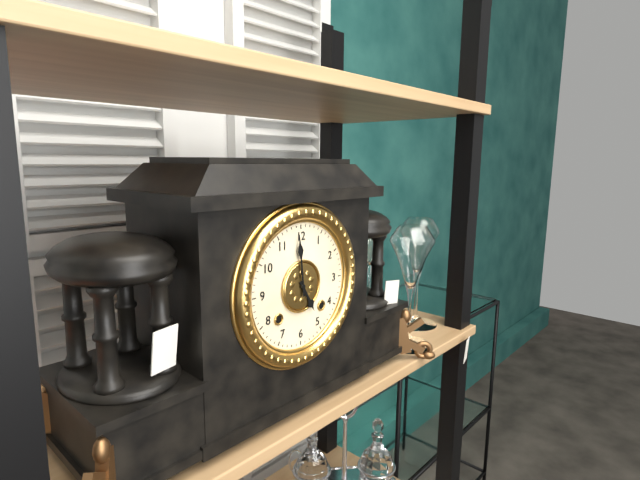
4:59
